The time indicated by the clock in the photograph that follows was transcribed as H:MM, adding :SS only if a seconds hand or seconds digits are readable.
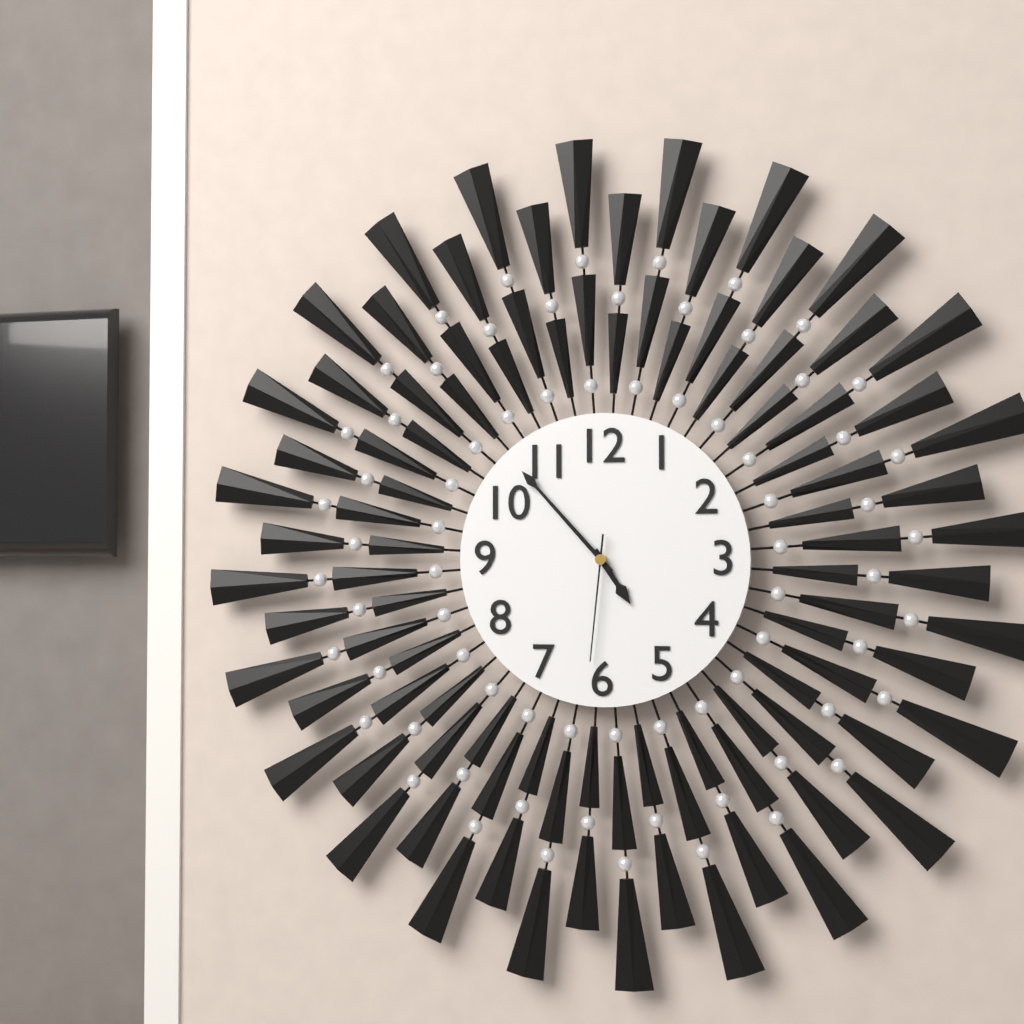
4:53:31
